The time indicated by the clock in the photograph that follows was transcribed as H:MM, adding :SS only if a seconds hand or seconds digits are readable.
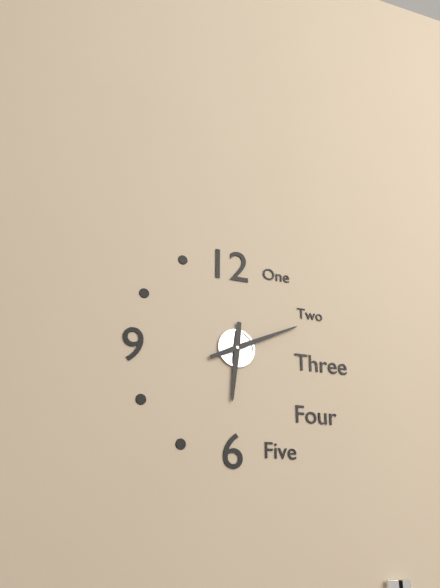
6:11
